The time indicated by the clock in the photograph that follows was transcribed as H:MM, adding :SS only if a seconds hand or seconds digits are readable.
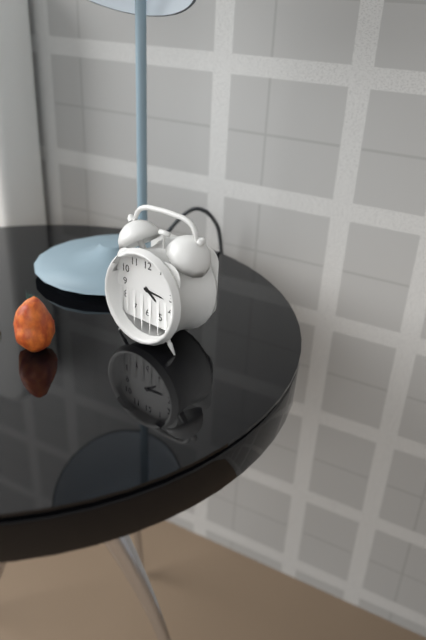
4:16
